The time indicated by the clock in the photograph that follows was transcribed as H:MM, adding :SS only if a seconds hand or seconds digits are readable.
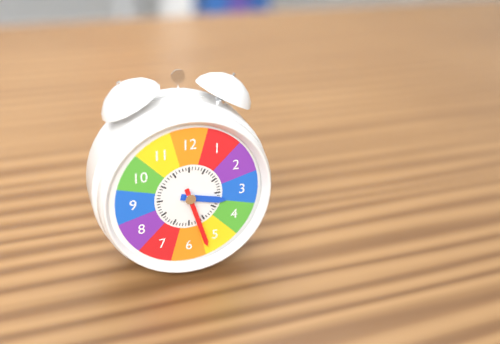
3:27
